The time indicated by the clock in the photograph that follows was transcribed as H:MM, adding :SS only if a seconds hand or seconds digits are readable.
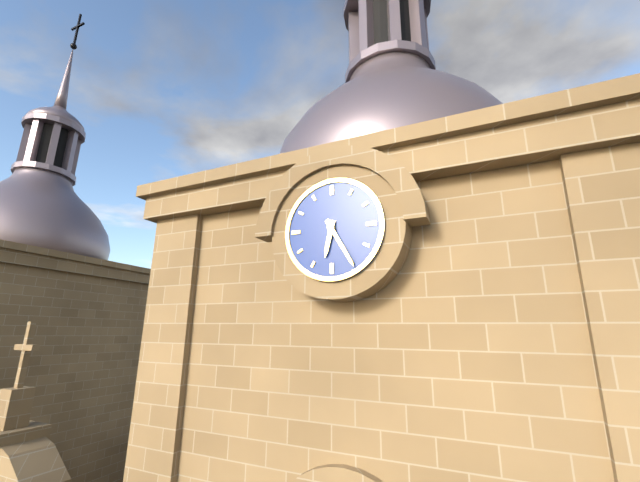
6:25
